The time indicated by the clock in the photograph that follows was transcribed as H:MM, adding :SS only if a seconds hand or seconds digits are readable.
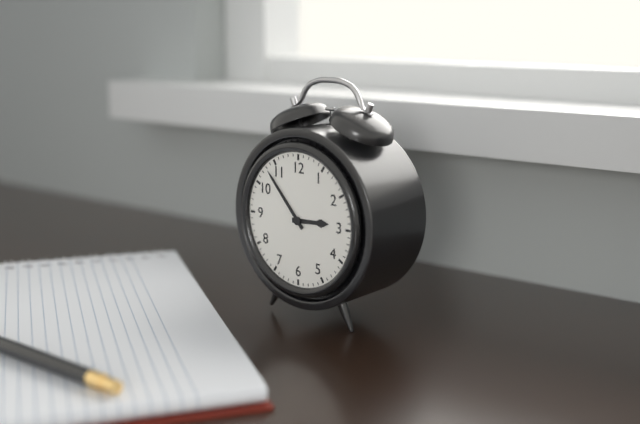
2:53
